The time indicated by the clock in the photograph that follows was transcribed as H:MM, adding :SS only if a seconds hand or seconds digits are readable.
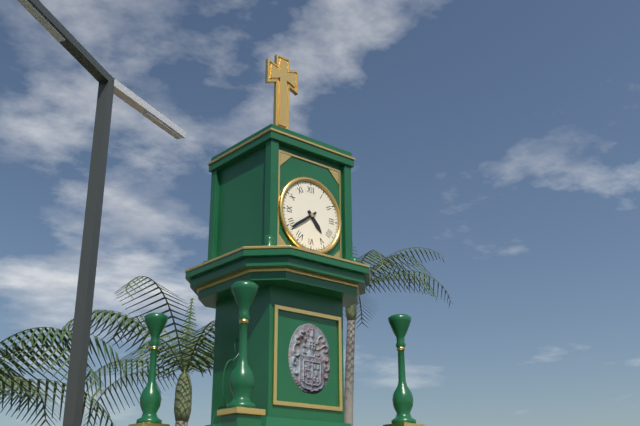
4:39
